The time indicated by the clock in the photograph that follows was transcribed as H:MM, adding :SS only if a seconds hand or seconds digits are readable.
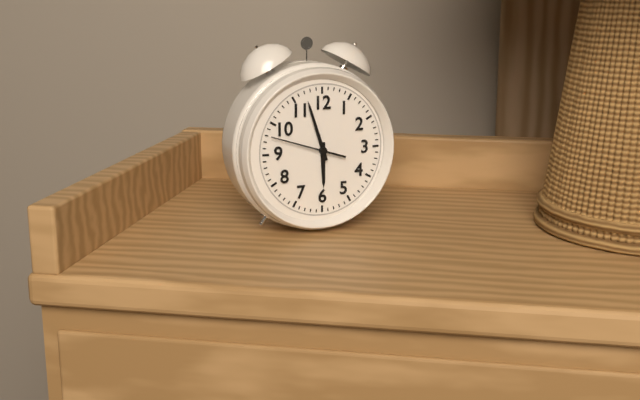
5:57:48
